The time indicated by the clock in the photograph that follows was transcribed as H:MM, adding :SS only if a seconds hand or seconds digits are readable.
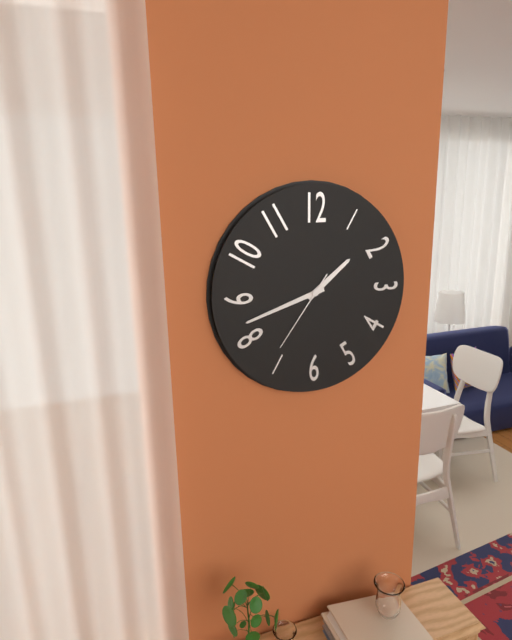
1:42:36
